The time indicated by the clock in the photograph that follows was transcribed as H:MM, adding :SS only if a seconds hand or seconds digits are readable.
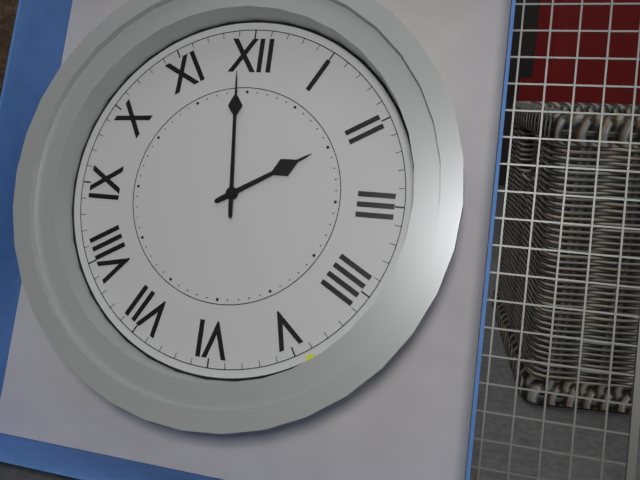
1:59
